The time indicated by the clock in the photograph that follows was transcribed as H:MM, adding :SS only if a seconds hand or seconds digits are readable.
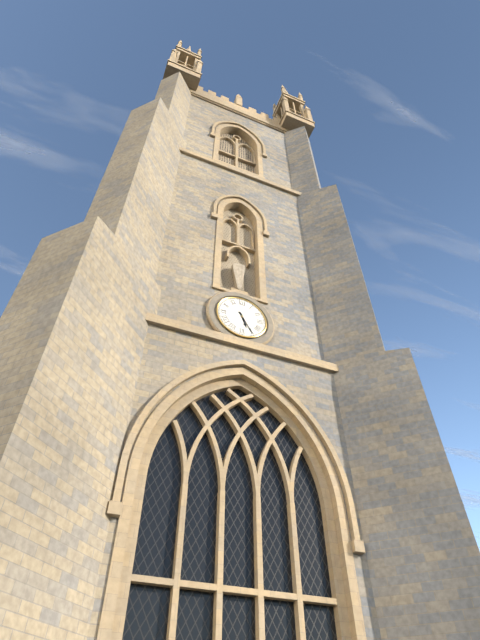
5:25
